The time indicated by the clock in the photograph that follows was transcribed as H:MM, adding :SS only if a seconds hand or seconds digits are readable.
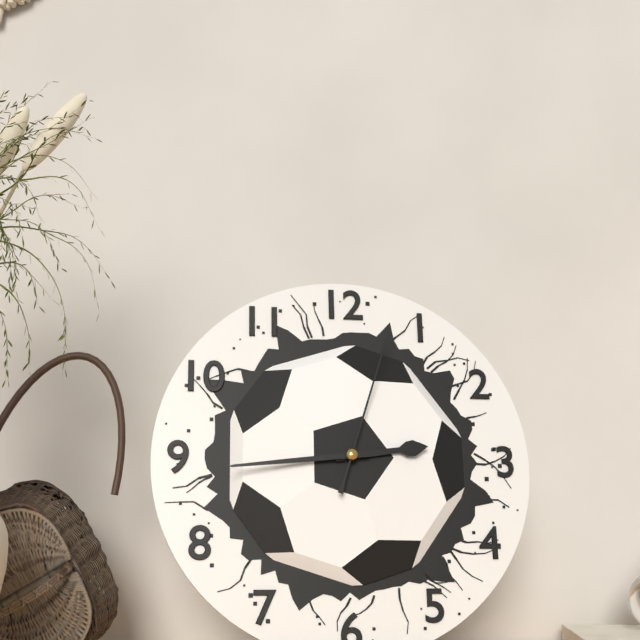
2:44:03
